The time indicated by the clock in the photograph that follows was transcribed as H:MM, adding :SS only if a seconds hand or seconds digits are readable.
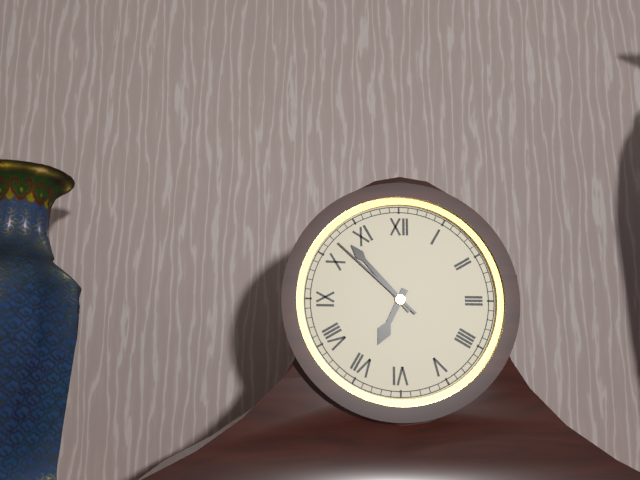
6:53:52
